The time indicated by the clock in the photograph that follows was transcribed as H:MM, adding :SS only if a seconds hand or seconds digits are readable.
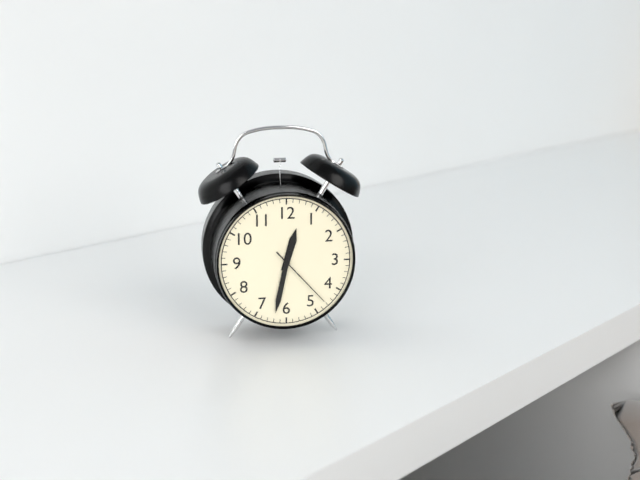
12:32:23
